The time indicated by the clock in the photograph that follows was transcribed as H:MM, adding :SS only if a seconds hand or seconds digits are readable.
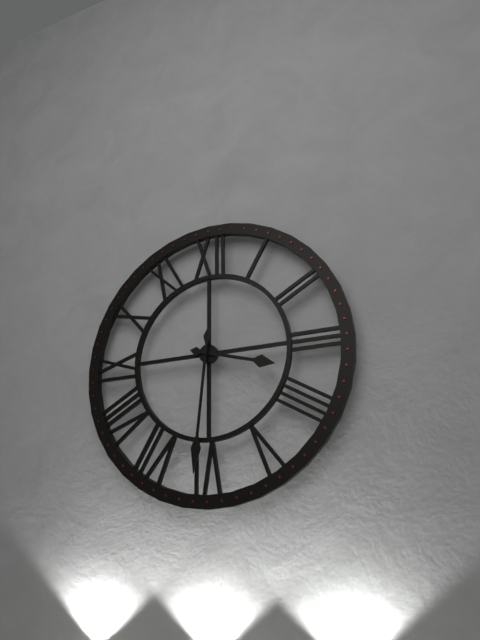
3:31
